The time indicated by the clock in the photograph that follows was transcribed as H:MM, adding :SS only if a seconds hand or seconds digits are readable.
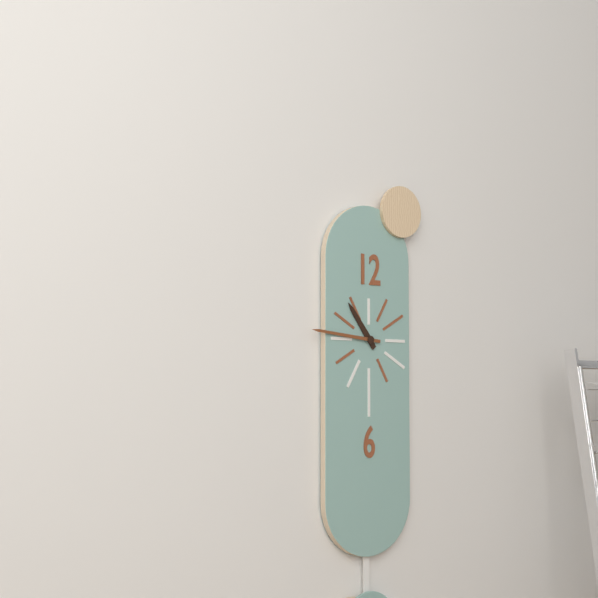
10:46
